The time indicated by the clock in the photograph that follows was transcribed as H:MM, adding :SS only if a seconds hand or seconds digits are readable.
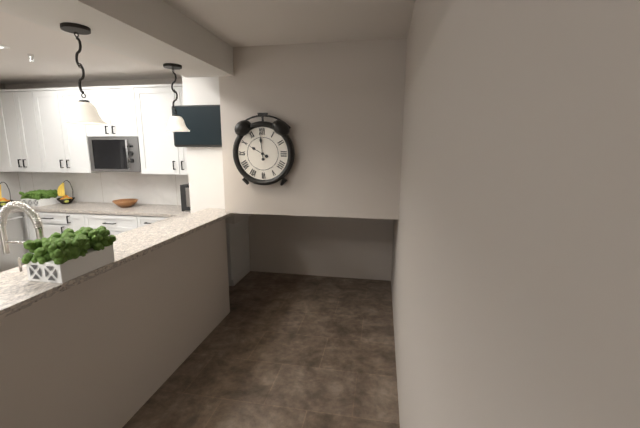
9:59
